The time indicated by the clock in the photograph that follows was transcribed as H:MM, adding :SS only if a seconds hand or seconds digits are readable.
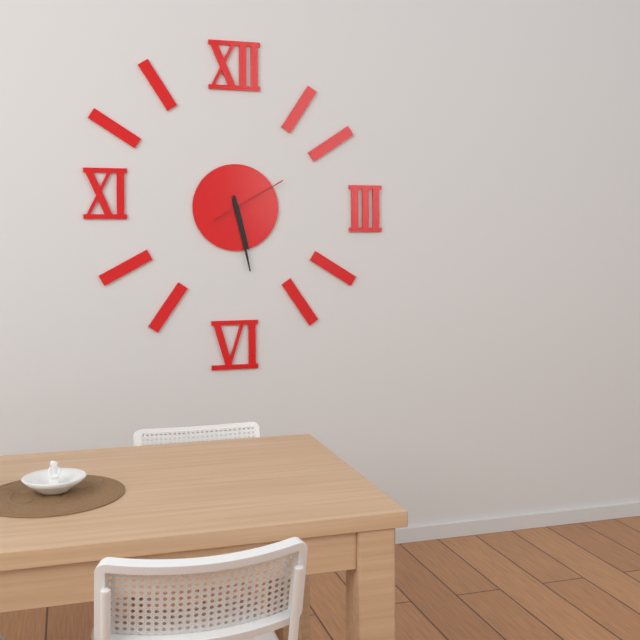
5:28:10
